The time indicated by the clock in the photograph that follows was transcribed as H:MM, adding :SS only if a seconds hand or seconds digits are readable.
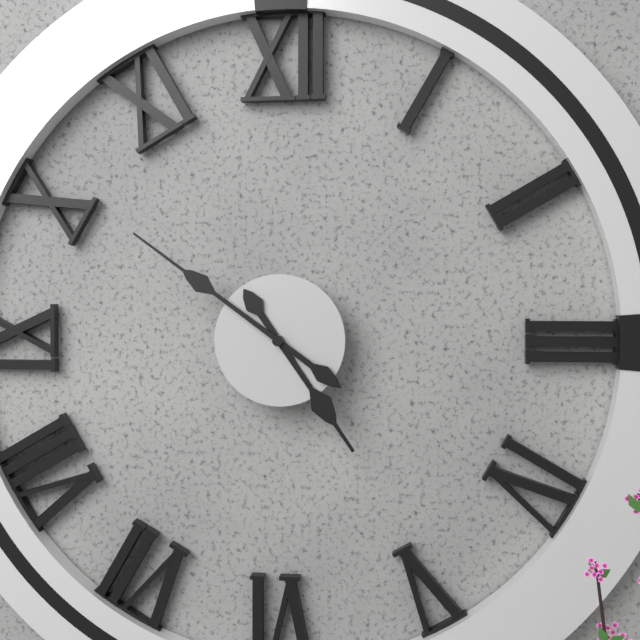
4:51
